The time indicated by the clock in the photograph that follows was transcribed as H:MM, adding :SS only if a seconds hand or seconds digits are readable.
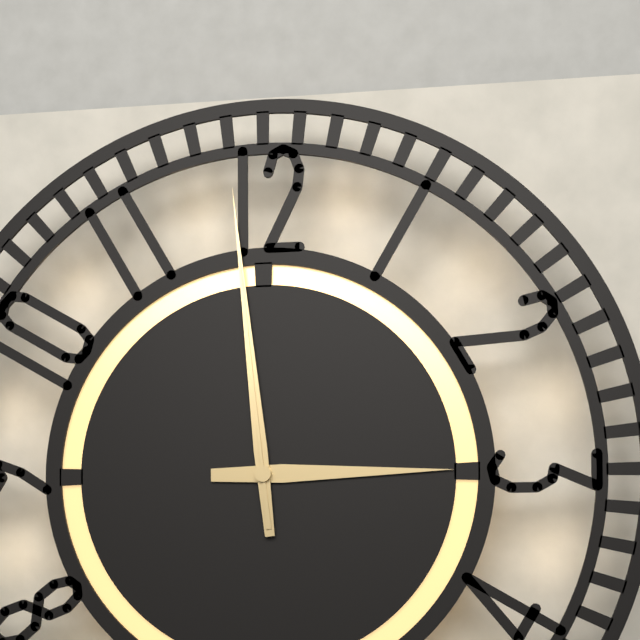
2:59:59
